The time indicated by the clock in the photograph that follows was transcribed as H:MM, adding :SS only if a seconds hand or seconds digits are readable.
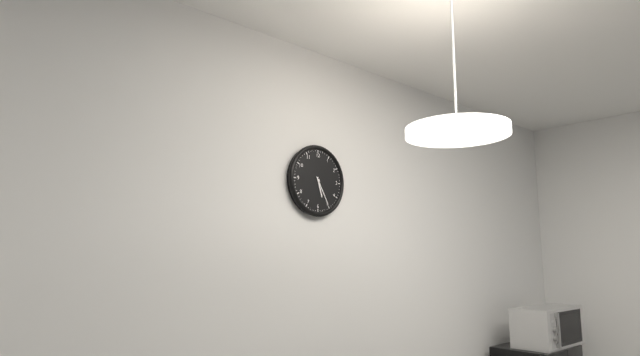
5:25
